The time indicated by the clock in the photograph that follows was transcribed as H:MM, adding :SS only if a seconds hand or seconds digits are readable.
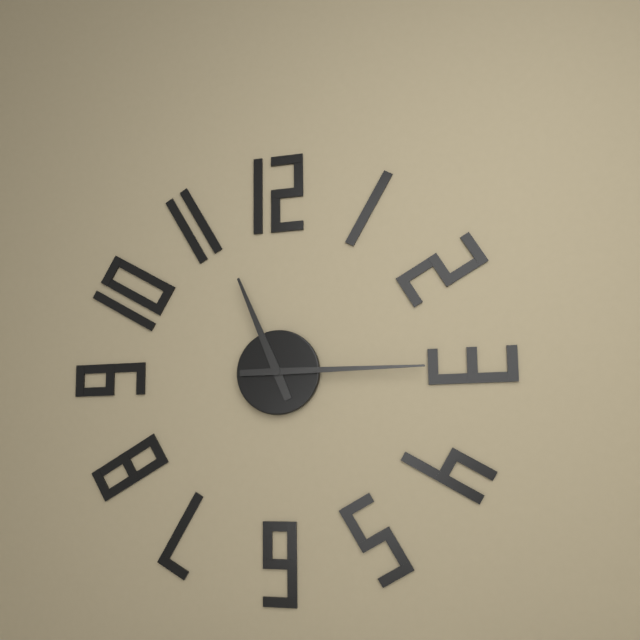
11:15
